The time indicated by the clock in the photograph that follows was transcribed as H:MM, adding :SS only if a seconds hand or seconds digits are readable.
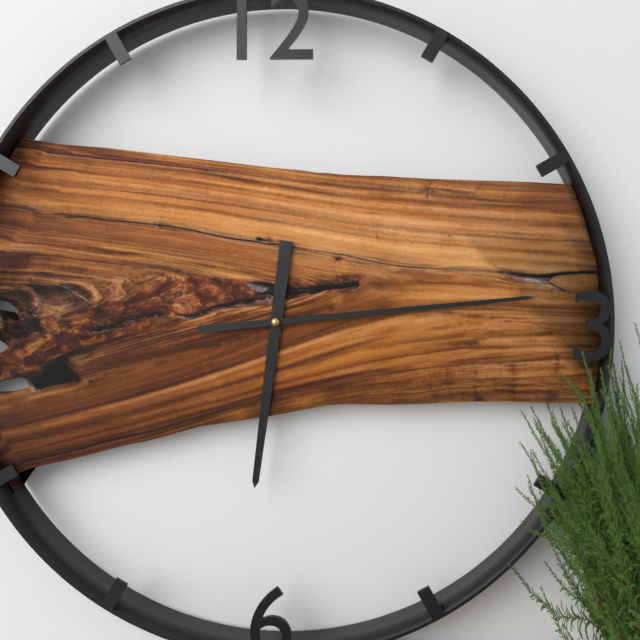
6:14
